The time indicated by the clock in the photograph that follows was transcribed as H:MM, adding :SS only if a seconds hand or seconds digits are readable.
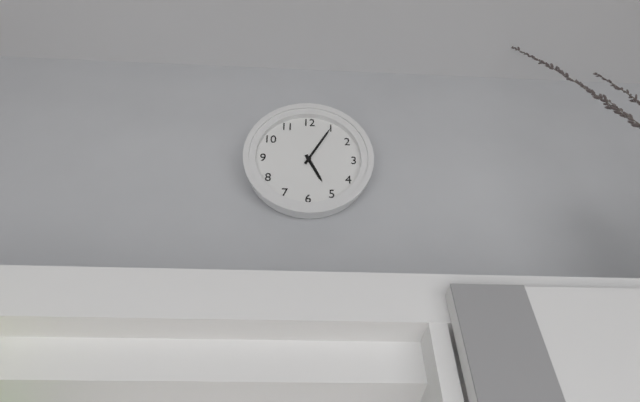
5:05
